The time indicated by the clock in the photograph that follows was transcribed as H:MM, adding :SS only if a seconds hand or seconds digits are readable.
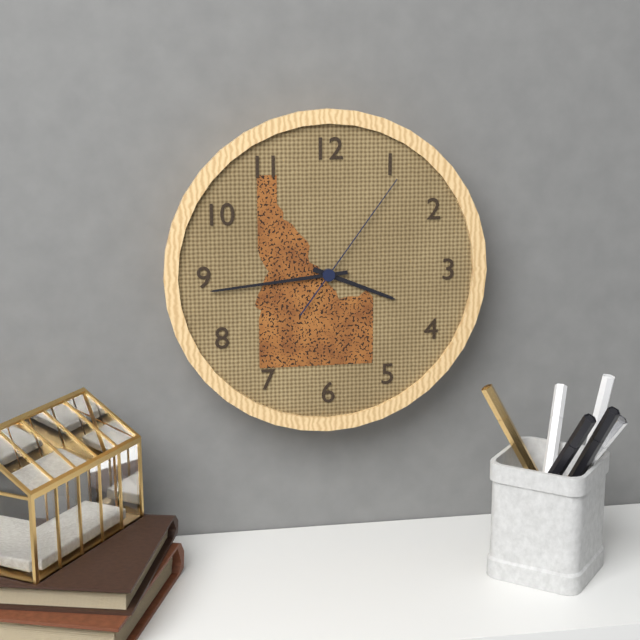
3:44:06
